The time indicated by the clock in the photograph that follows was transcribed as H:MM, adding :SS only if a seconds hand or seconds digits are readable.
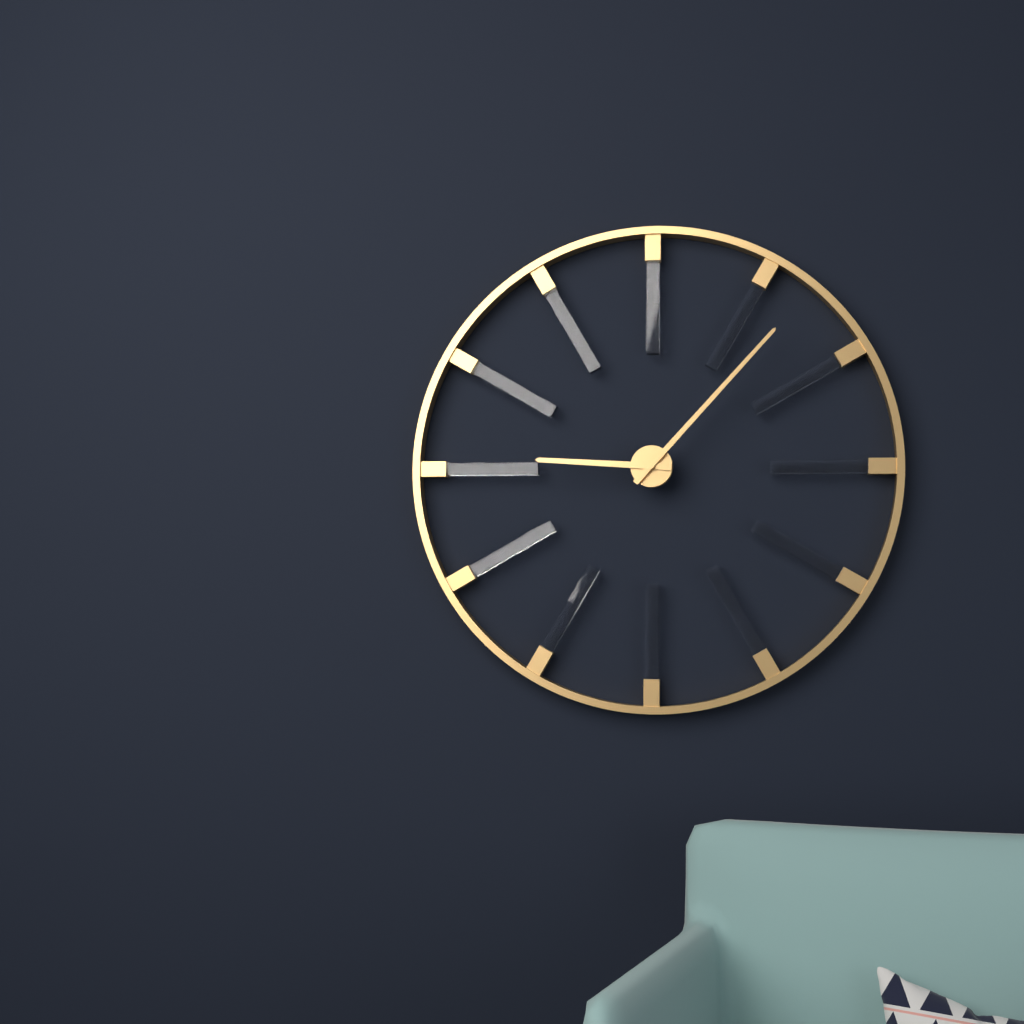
9:07
